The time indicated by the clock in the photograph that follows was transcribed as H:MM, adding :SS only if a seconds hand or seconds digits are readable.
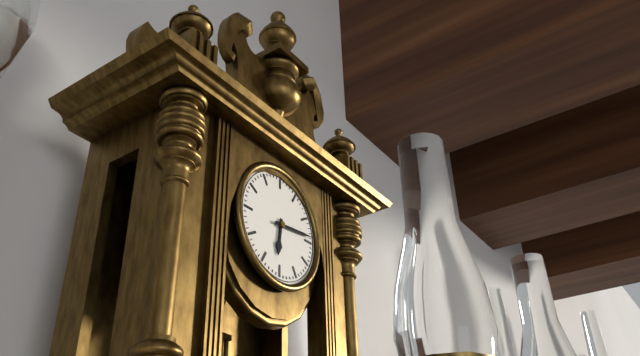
6:14
